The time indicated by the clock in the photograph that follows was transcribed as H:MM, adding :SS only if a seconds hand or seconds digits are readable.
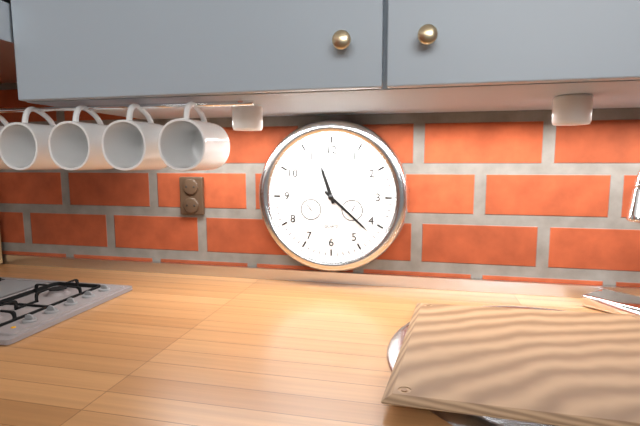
11:22
